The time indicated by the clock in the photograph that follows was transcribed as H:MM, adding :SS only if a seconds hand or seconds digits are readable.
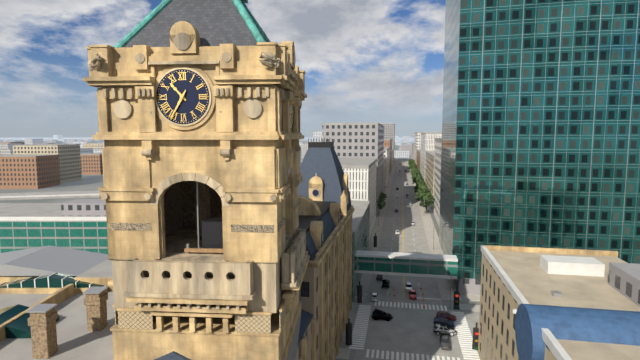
10:35
